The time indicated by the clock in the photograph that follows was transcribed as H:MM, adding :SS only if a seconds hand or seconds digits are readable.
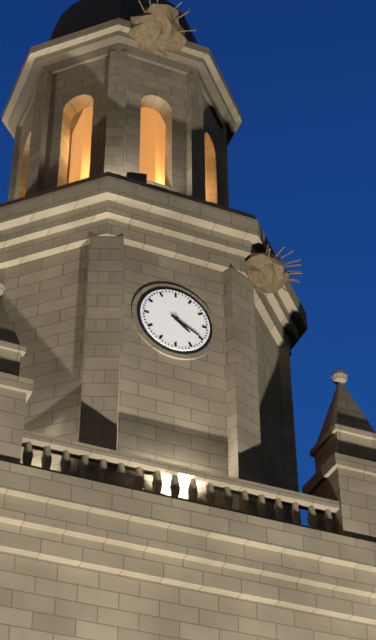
4:20
